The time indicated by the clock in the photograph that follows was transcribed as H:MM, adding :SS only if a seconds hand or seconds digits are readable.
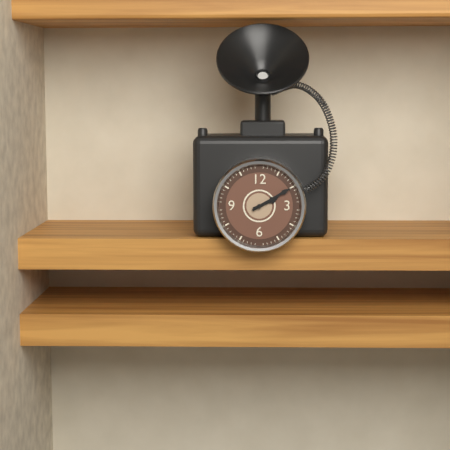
2:10
